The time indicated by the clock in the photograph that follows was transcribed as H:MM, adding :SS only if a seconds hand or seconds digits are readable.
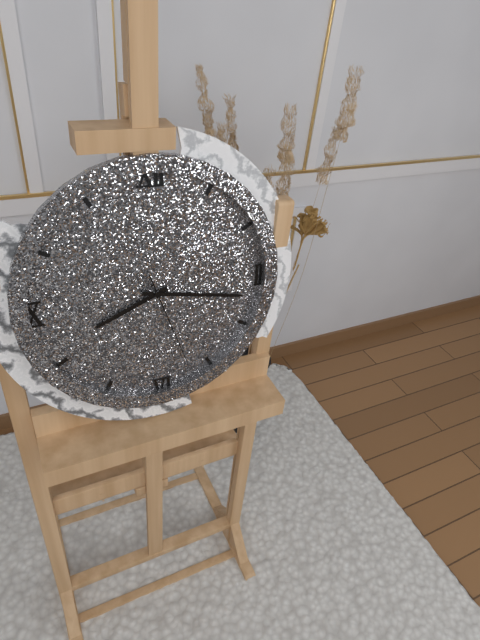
8:17:27
